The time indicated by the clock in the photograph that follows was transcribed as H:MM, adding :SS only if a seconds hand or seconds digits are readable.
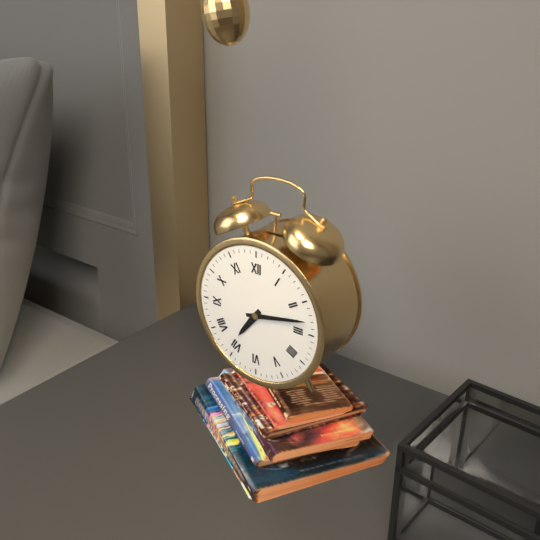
7:13
